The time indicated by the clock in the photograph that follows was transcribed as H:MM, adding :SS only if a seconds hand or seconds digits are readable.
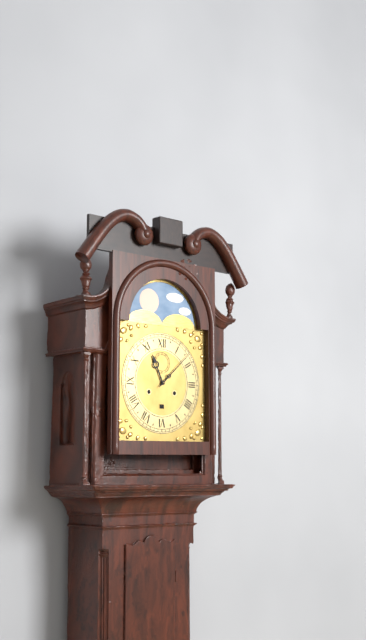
11:08
